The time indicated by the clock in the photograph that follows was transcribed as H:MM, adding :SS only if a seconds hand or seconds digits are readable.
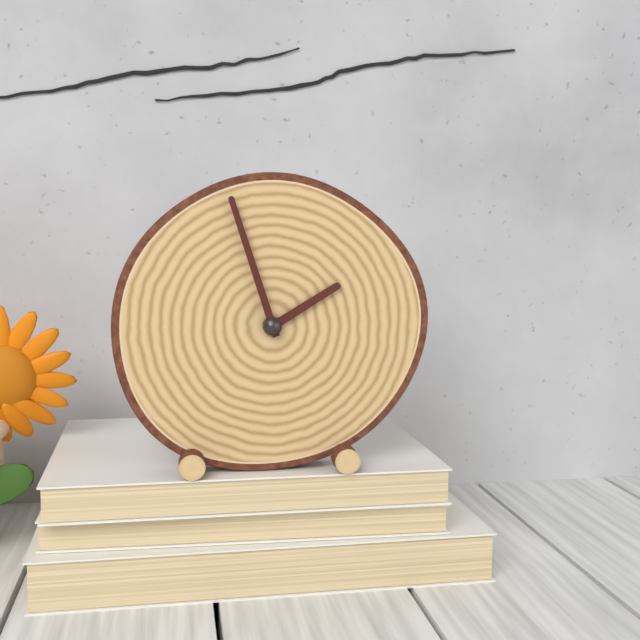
1:57
